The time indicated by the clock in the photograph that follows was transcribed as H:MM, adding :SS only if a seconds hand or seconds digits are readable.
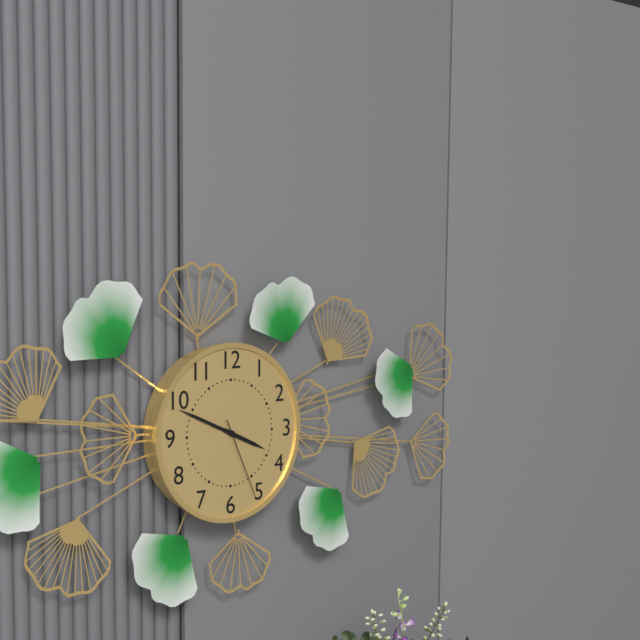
3:49:26
